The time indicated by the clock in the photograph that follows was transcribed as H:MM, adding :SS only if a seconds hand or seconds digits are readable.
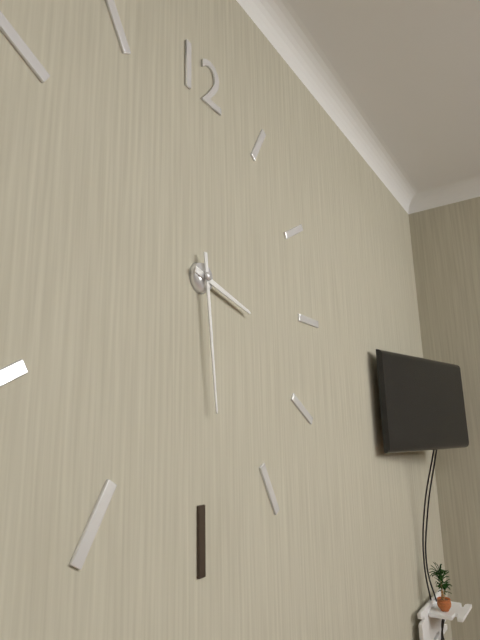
3:29
